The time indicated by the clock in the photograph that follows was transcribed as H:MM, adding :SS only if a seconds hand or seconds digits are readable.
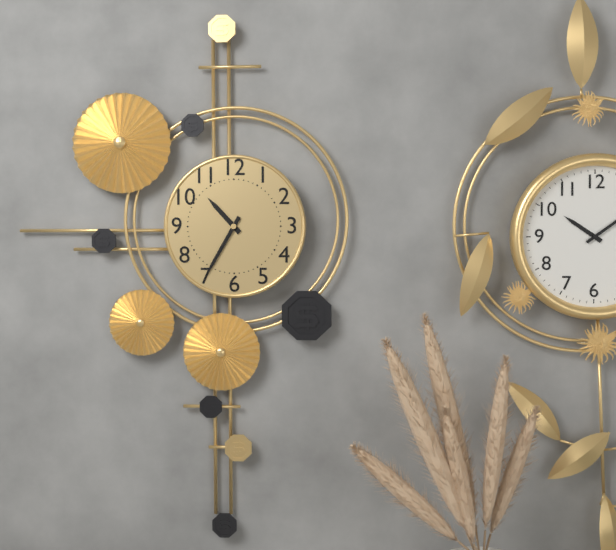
10:35
